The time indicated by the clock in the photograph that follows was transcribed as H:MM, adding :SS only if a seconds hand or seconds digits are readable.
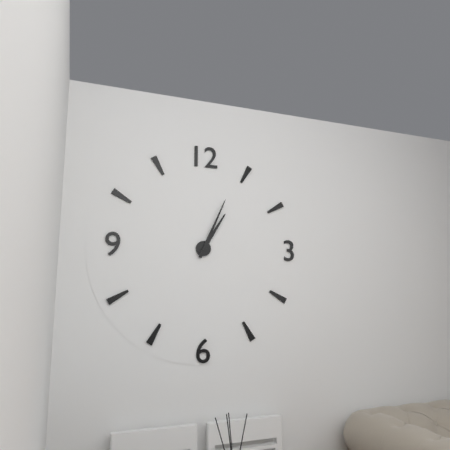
1:04
